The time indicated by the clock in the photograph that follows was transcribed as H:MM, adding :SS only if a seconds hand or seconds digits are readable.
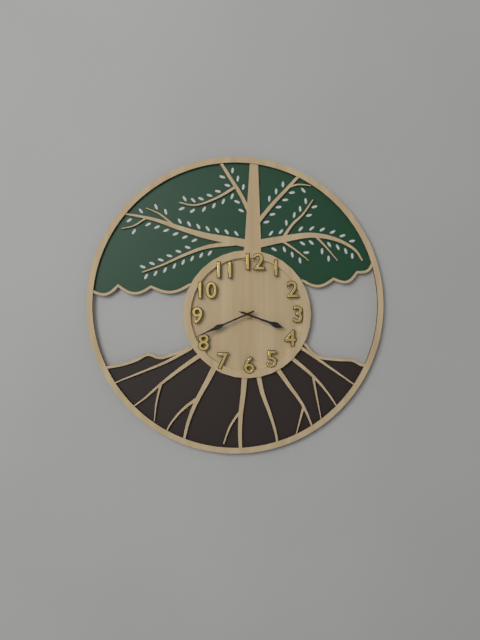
3:41
